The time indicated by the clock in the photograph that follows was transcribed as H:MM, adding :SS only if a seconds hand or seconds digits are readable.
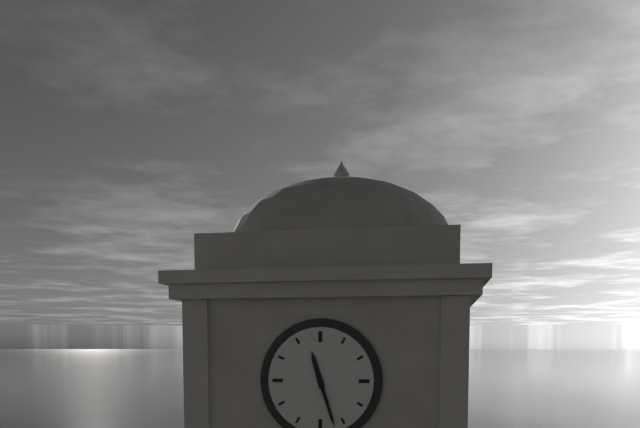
11:27
